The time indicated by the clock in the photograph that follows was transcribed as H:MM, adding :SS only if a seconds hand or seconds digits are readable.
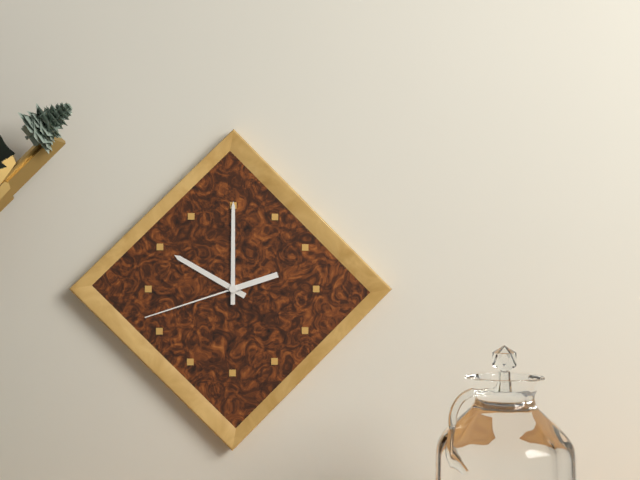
10:00:42
